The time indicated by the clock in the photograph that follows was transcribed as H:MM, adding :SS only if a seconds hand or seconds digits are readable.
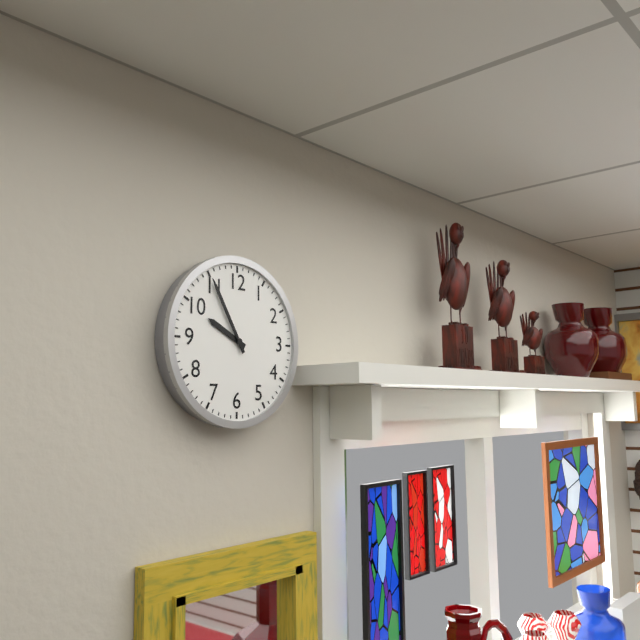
9:55
